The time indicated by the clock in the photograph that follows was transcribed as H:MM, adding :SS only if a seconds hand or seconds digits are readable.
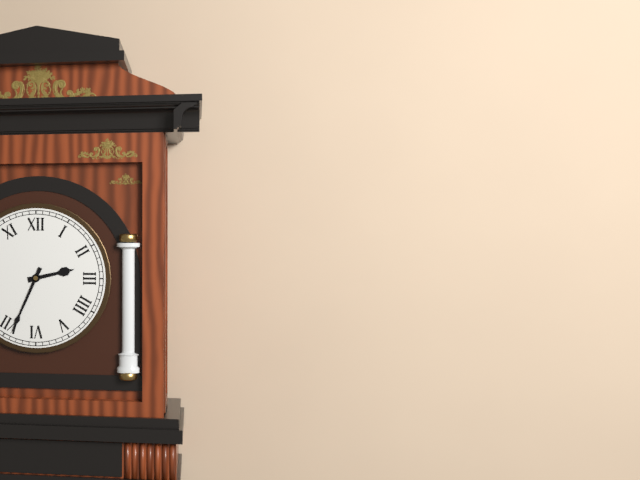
2:34
